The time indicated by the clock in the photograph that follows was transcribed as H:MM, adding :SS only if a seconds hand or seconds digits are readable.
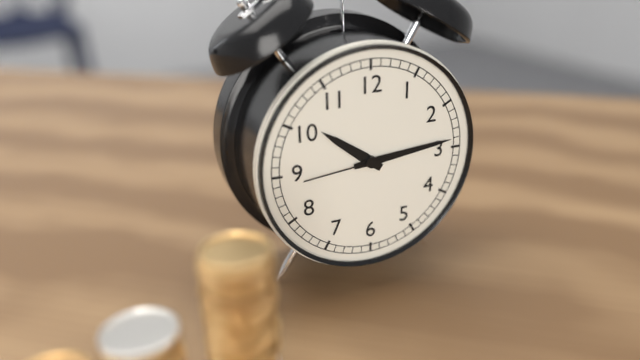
10:14:44
